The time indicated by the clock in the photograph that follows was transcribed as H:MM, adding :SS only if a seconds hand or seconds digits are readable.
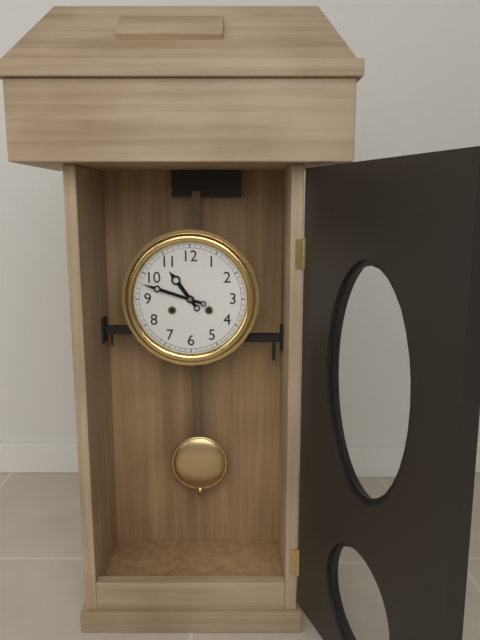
10:48
